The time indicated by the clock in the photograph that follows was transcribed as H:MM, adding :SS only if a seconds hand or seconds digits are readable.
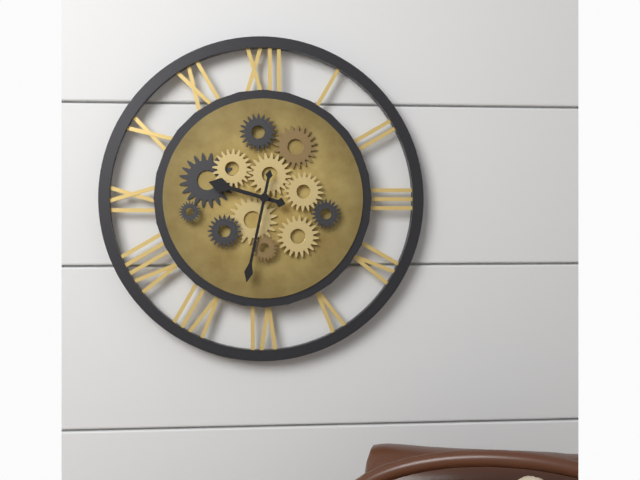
9:32
